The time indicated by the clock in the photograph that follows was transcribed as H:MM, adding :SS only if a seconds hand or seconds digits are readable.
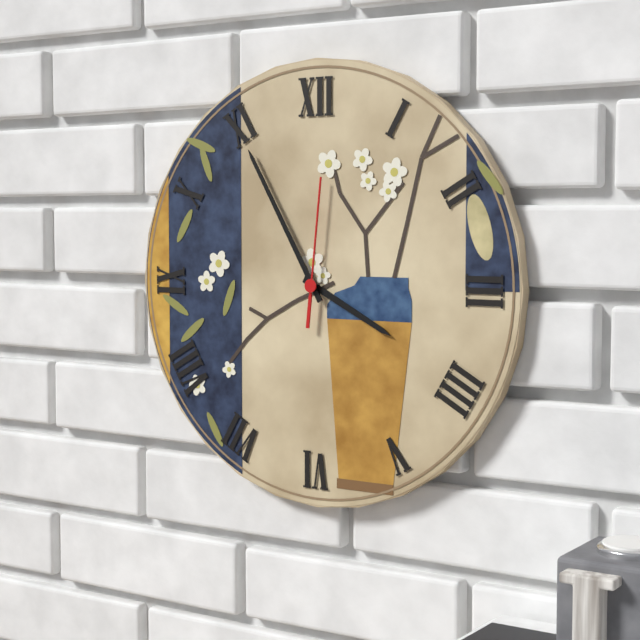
3:55:01
